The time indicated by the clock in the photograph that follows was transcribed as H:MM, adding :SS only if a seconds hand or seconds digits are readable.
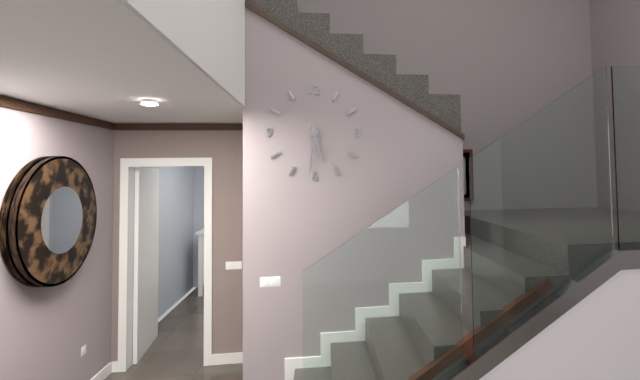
5:31
